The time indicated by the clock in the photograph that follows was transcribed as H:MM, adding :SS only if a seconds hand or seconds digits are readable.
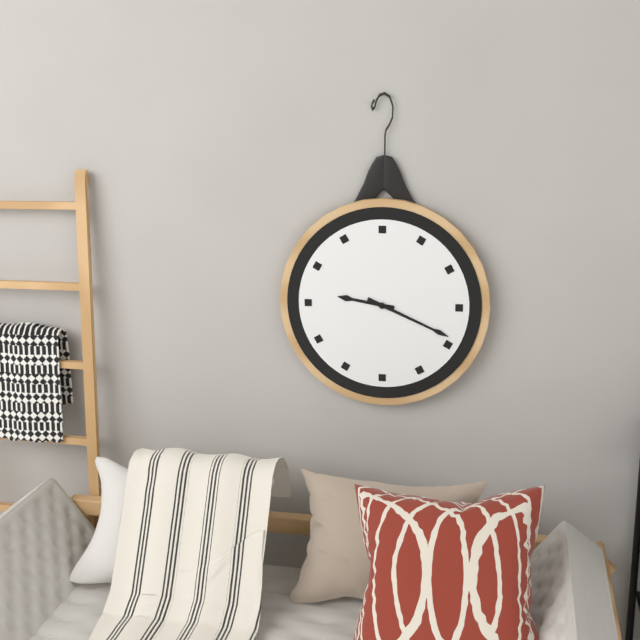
9:19
